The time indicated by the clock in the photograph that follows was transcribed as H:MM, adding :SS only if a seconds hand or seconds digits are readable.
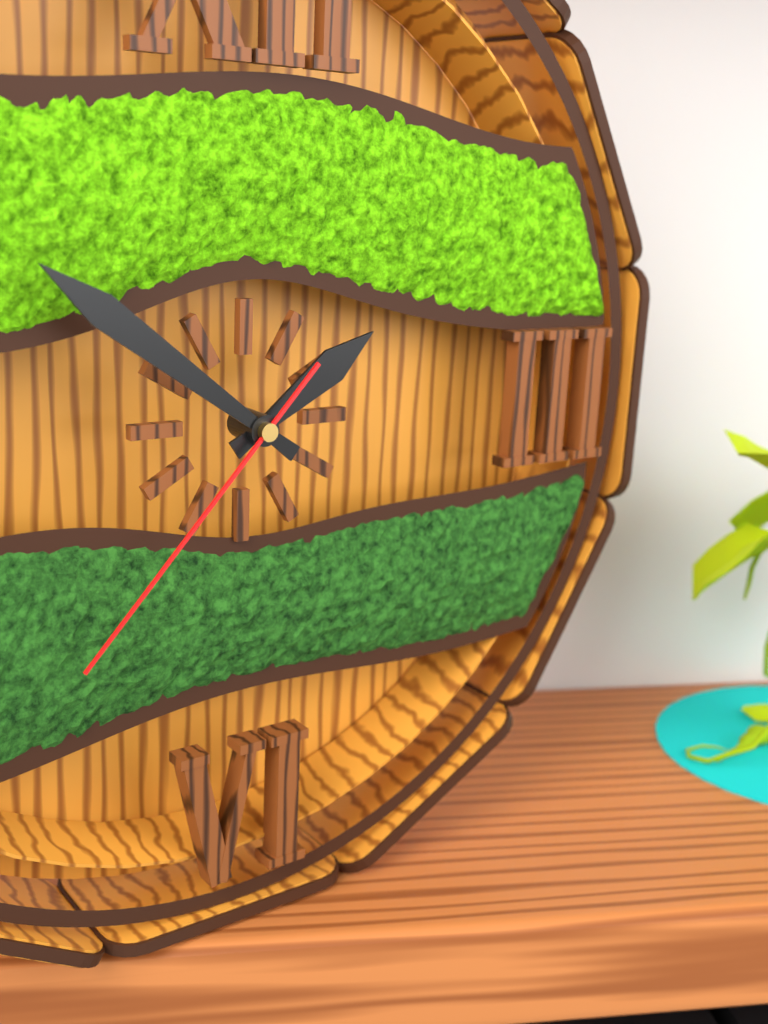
1:51:37
